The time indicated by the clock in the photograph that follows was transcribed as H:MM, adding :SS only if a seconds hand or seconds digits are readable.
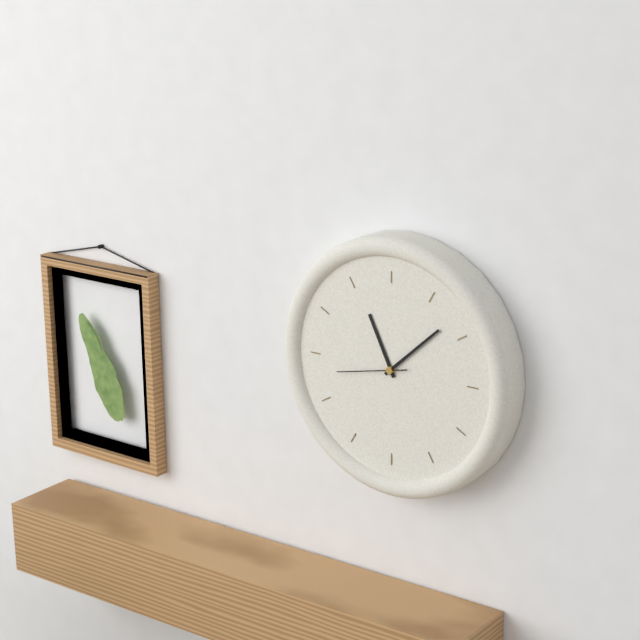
11:08:43
